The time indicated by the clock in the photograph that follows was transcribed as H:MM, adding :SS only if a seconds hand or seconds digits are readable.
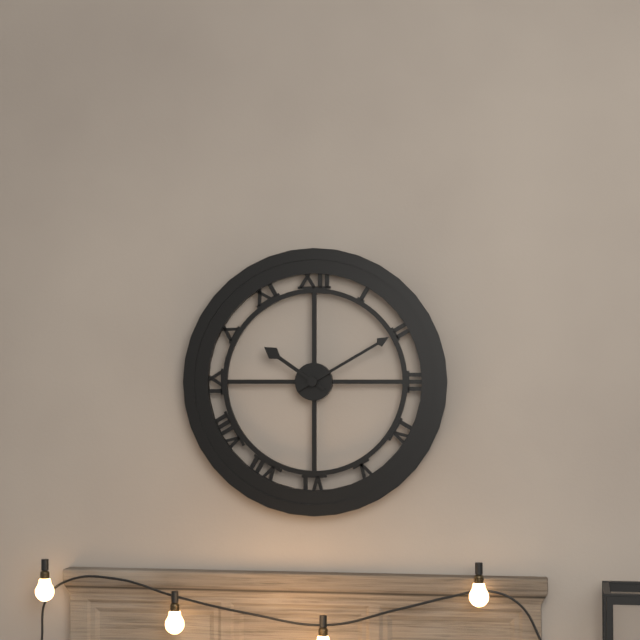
10:10
